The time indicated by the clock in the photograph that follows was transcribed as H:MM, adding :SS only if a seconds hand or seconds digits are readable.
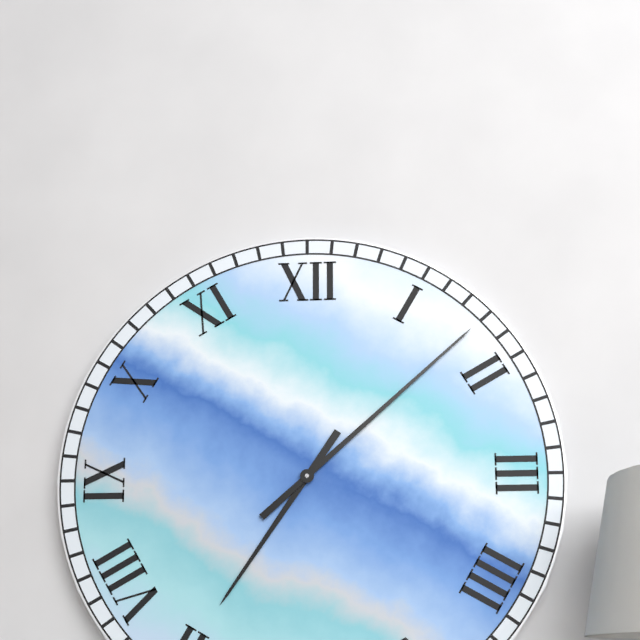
7:08
